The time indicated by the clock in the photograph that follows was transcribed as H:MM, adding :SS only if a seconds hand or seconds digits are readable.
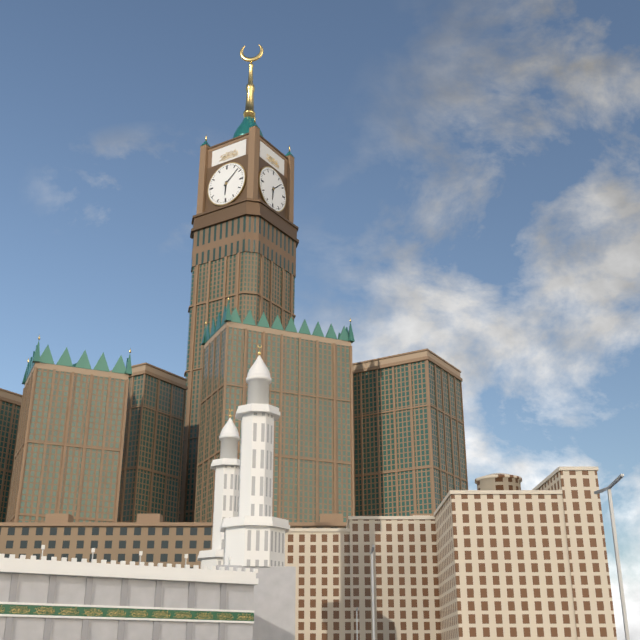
6:08
